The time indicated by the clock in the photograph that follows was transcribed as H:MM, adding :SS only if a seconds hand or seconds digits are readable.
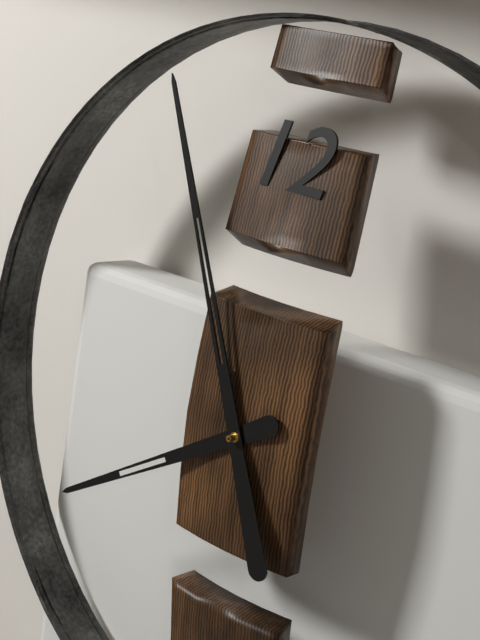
7:56
